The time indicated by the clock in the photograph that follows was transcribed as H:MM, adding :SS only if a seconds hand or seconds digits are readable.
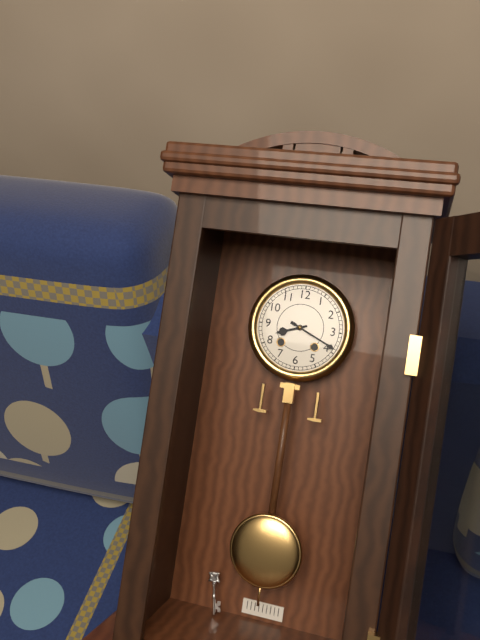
8:19
